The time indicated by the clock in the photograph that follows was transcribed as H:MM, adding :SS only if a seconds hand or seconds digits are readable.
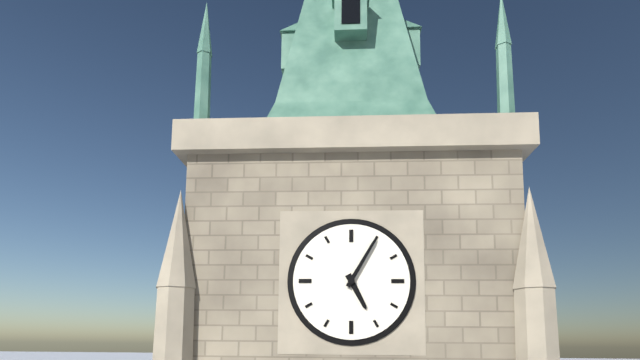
5:05
